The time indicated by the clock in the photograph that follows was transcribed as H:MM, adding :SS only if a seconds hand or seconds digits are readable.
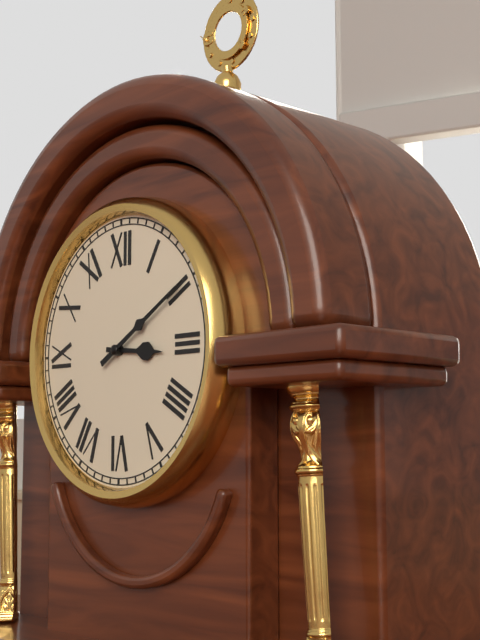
3:10
